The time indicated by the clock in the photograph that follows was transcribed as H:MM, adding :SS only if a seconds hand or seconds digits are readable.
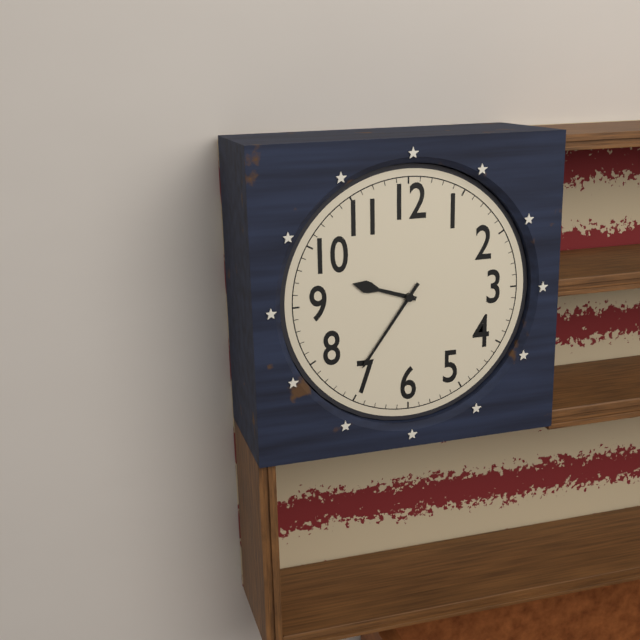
9:36
